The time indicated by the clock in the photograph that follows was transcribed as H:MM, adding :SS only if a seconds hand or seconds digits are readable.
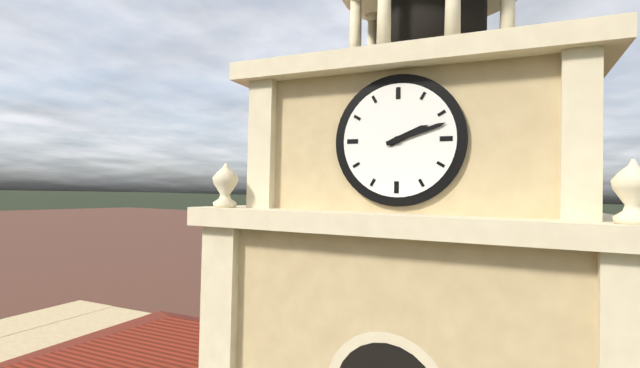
2:12
